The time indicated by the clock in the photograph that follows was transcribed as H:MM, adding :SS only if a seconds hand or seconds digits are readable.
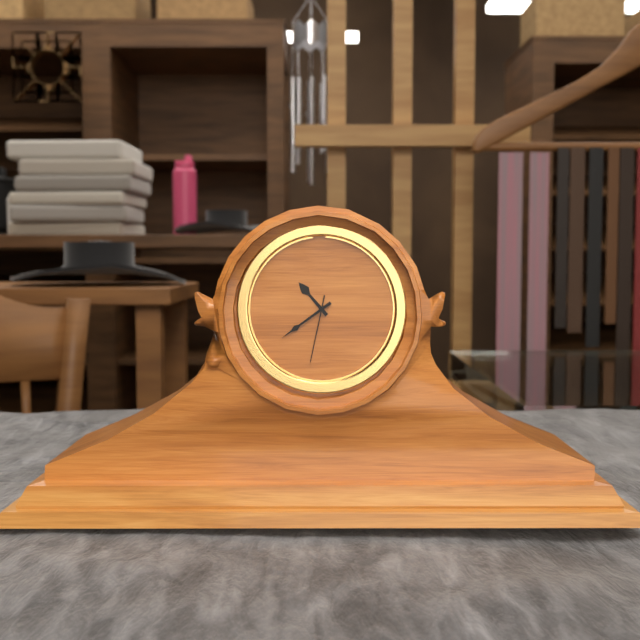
10:39:32
